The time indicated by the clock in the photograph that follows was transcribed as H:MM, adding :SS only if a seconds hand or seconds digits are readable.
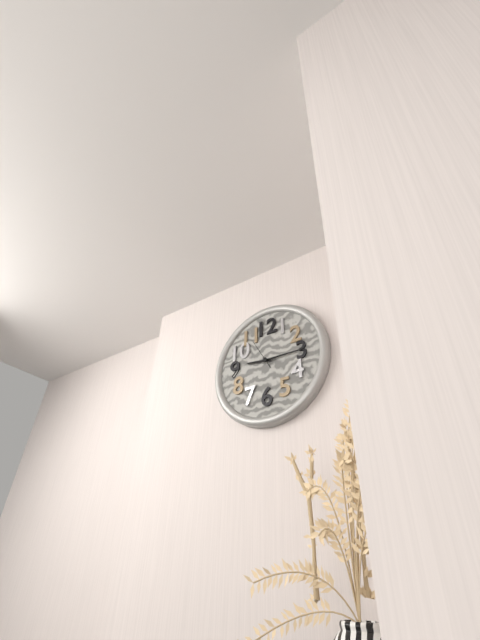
9:15
